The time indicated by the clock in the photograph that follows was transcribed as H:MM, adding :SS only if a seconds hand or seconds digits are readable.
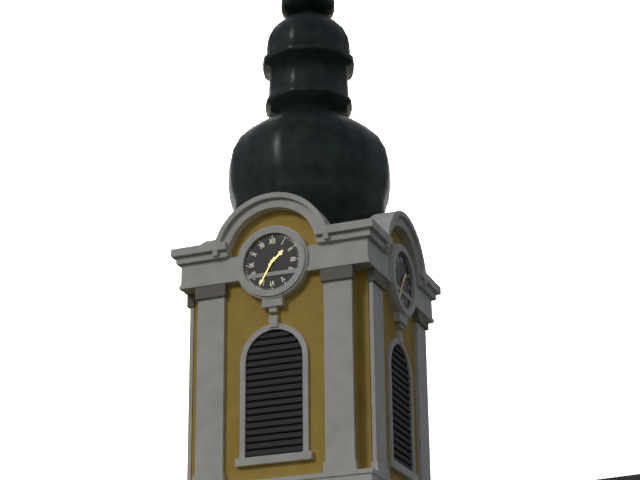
1:35
